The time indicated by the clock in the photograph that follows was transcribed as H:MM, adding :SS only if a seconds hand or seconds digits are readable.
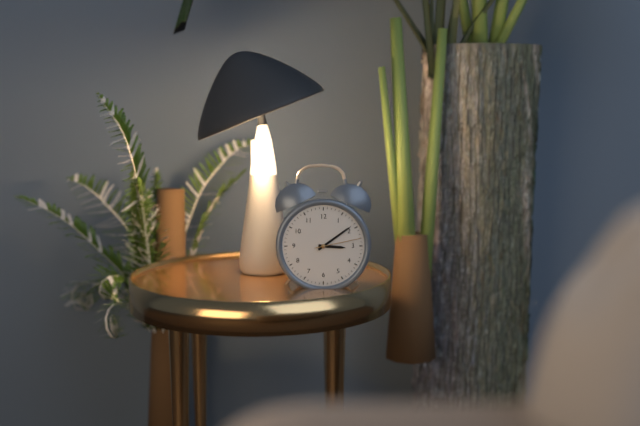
3:09
